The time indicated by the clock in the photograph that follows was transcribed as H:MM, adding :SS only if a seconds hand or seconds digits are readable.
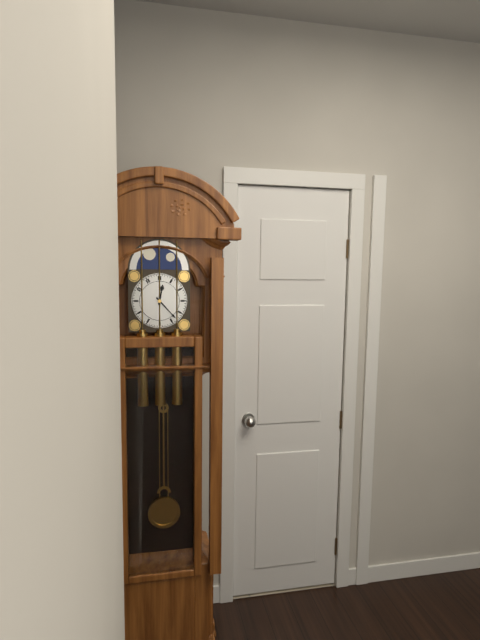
12:23
